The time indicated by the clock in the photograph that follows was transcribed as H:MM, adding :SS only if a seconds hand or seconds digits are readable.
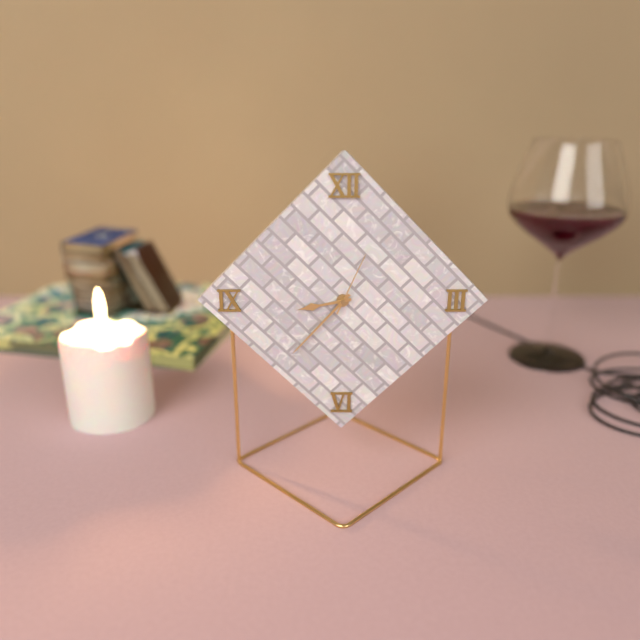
8:37:04
